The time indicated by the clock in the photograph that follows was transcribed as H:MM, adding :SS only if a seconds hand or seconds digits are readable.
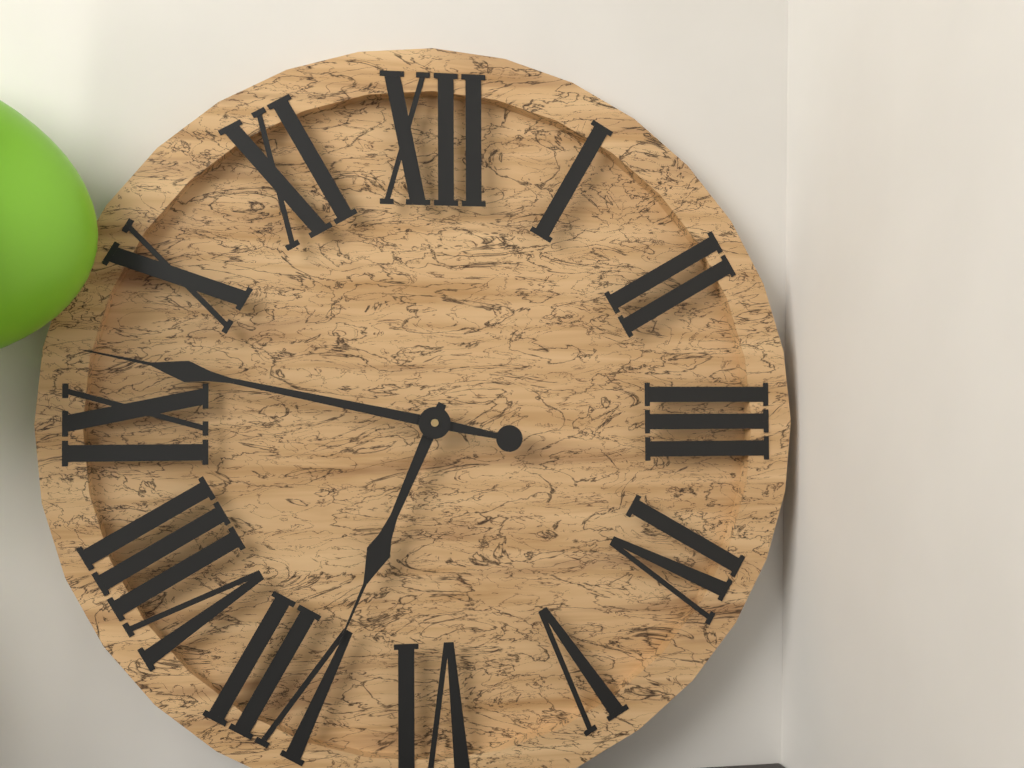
6:47
